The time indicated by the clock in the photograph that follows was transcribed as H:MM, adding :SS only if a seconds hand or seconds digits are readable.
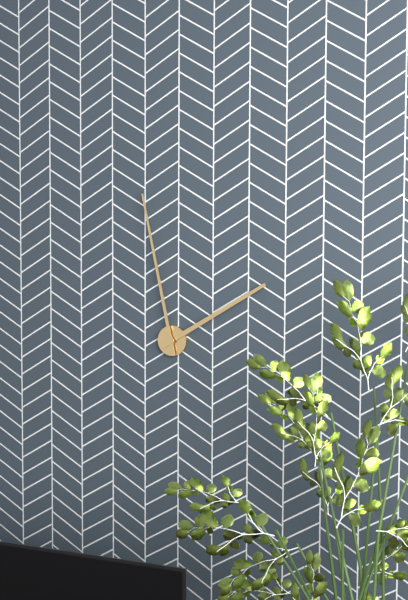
1:58
